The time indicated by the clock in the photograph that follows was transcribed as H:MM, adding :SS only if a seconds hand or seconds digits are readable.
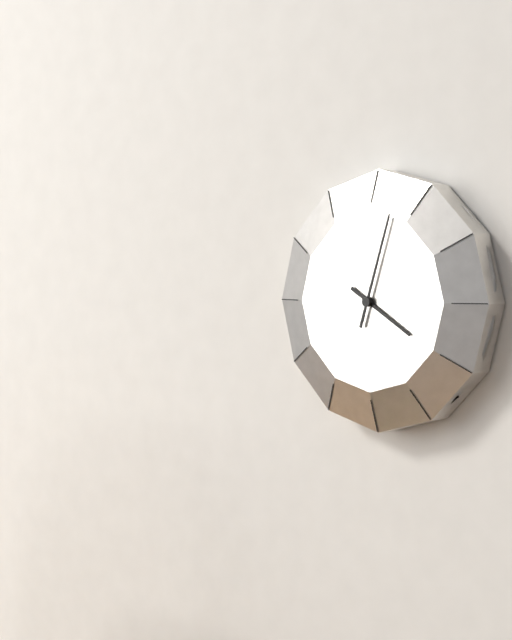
4:03
